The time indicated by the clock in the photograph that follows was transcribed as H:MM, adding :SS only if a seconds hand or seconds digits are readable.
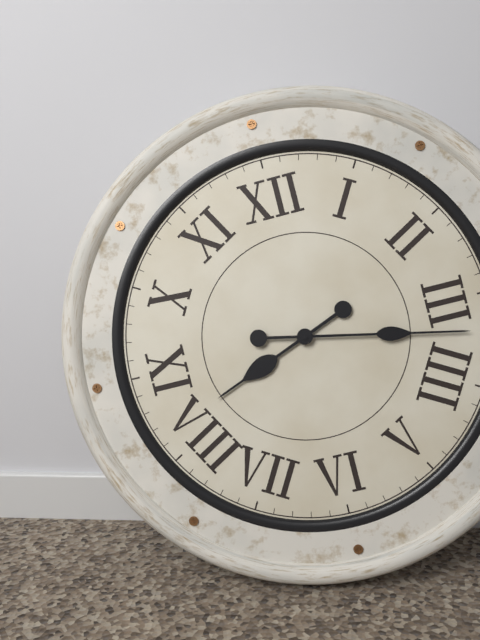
8:17
